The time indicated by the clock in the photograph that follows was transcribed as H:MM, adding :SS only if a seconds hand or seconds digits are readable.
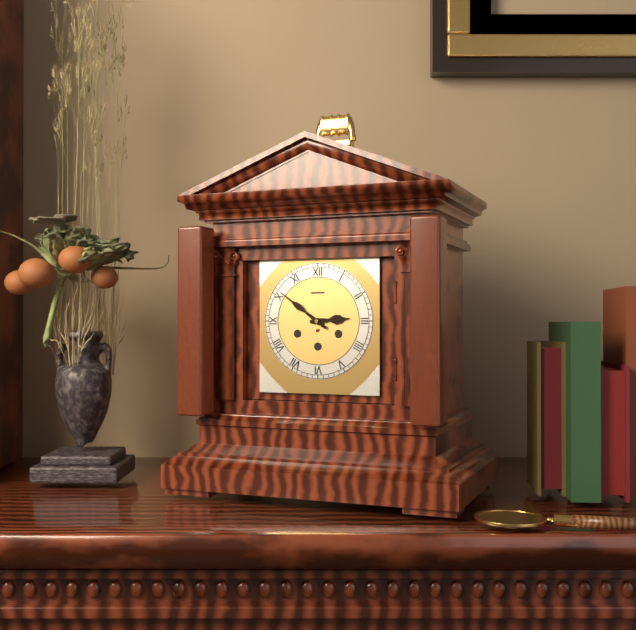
2:51
